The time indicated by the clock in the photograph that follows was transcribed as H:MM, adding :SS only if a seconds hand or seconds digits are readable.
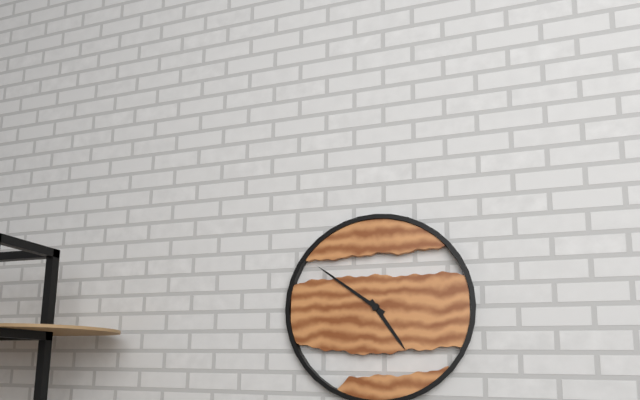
4:51
